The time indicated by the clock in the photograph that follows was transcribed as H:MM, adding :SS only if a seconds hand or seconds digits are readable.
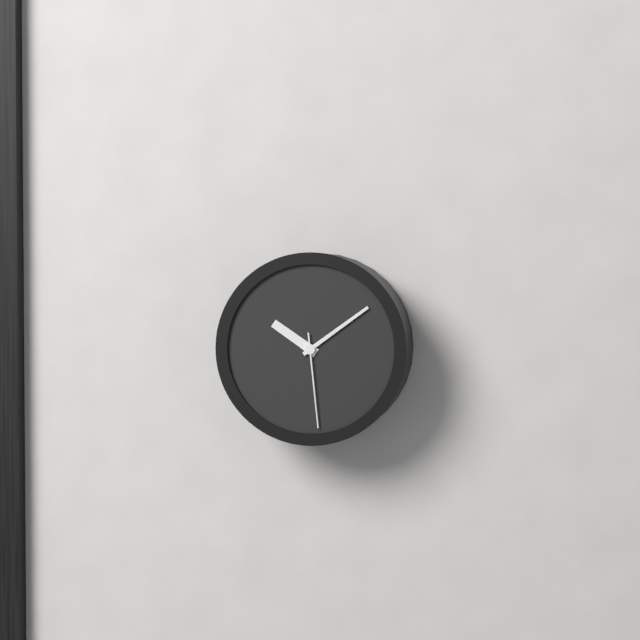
10:09:29
